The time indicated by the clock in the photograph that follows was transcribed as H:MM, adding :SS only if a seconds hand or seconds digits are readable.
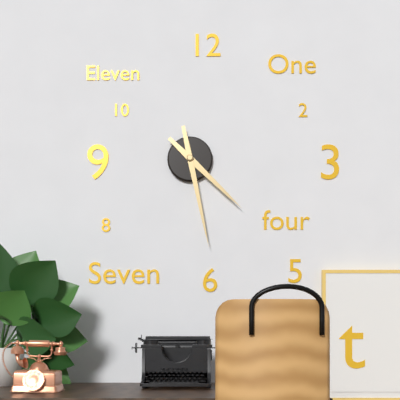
4:28
